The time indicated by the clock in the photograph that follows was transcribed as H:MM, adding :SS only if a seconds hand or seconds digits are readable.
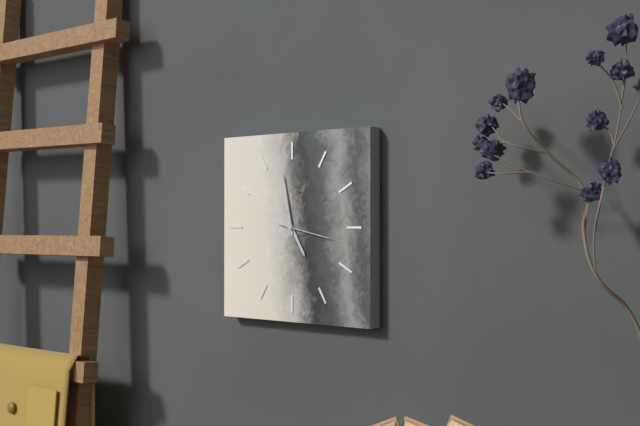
4:58:17
